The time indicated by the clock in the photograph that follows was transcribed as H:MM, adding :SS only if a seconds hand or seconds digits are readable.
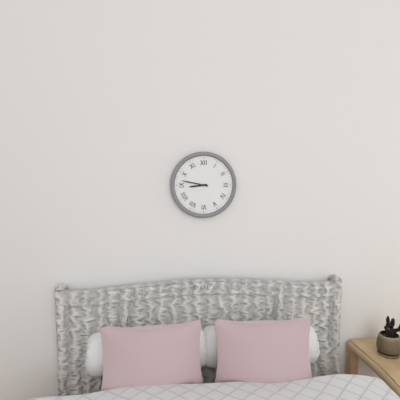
8:47
